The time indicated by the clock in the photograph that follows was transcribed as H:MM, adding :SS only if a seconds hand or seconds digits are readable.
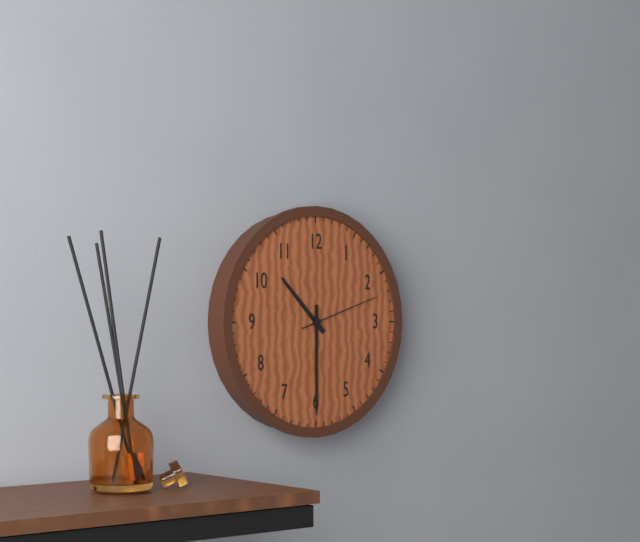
10:30:12
